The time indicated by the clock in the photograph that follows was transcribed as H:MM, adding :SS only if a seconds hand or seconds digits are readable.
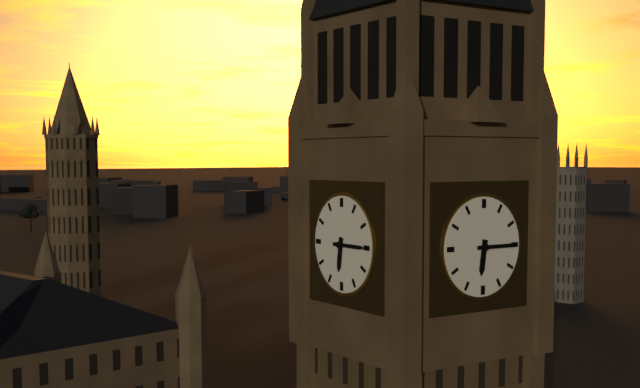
6:15
